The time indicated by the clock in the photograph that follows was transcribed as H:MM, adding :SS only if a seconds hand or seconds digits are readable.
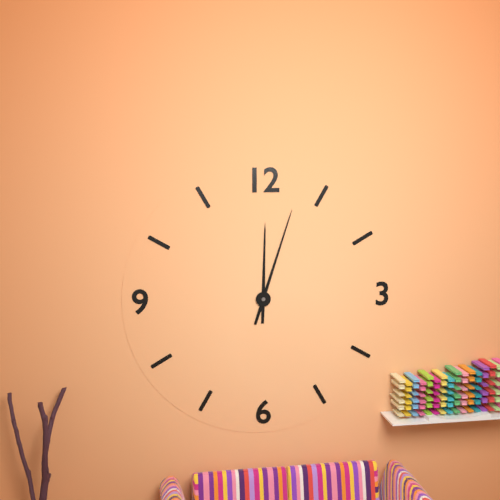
12:03
